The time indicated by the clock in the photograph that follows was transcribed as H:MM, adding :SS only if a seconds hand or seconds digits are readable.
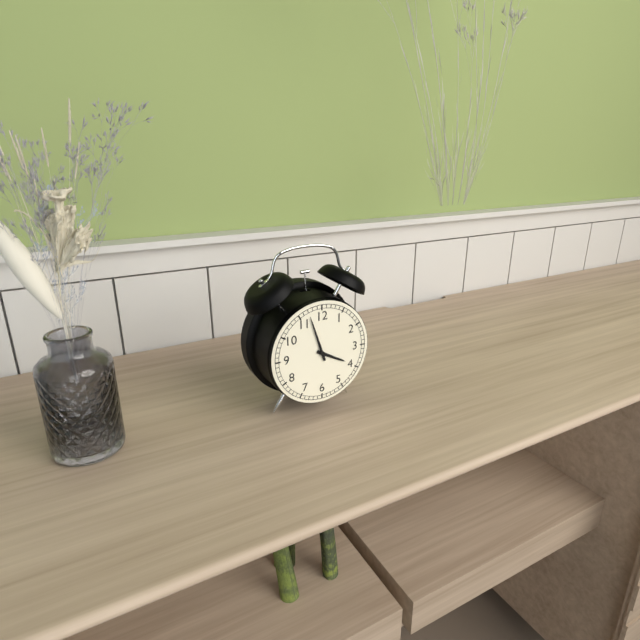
3:57
